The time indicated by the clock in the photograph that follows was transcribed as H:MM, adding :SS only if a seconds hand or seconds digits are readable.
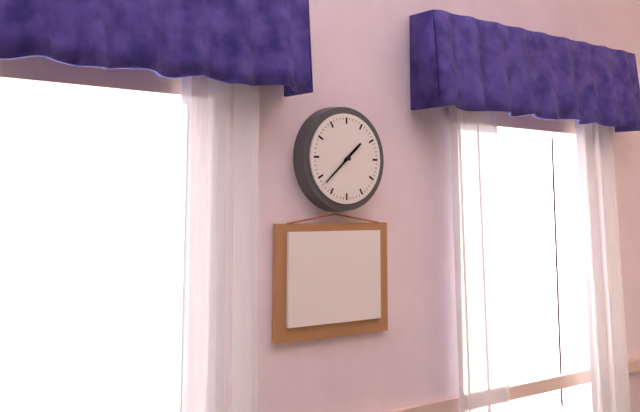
1:38
